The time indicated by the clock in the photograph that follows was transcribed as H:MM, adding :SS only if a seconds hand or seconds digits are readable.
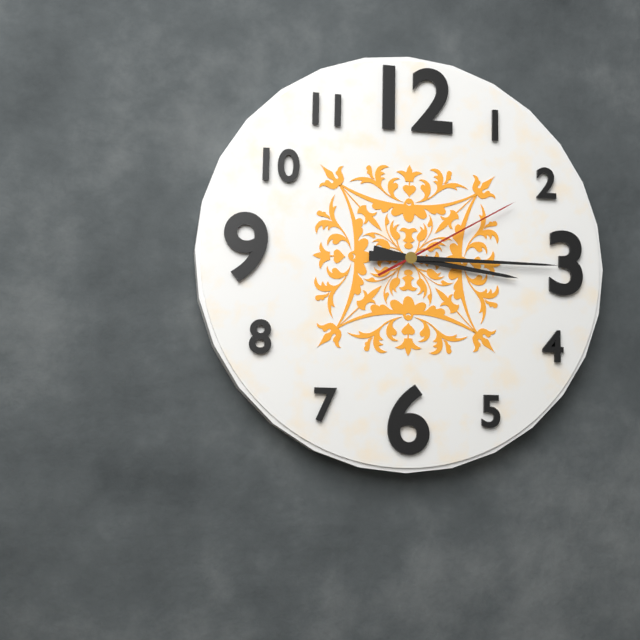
3:15:10
